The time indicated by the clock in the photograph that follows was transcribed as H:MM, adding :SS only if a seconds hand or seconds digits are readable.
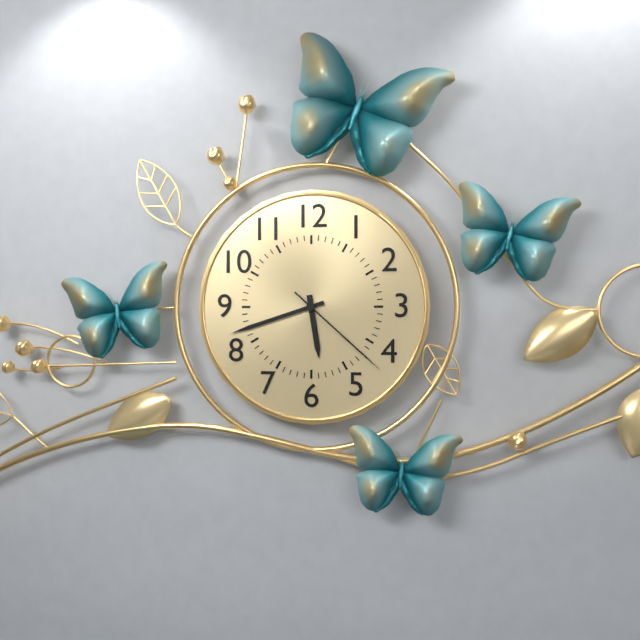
5:42:22
